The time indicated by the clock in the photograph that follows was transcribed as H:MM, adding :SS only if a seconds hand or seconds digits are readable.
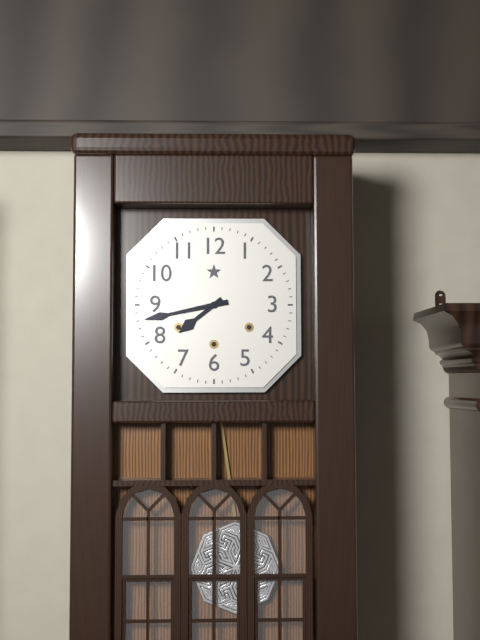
7:43
